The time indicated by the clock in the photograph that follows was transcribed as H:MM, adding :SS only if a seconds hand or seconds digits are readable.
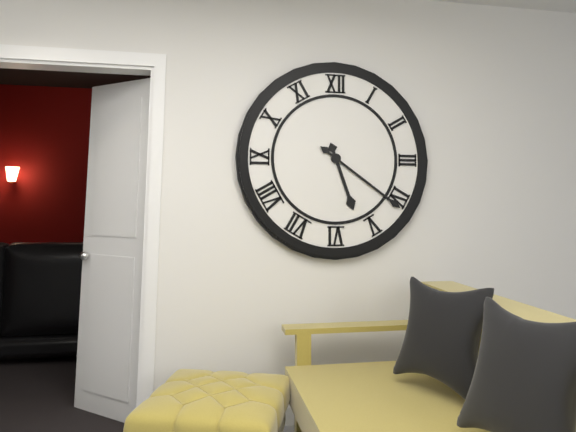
5:21
